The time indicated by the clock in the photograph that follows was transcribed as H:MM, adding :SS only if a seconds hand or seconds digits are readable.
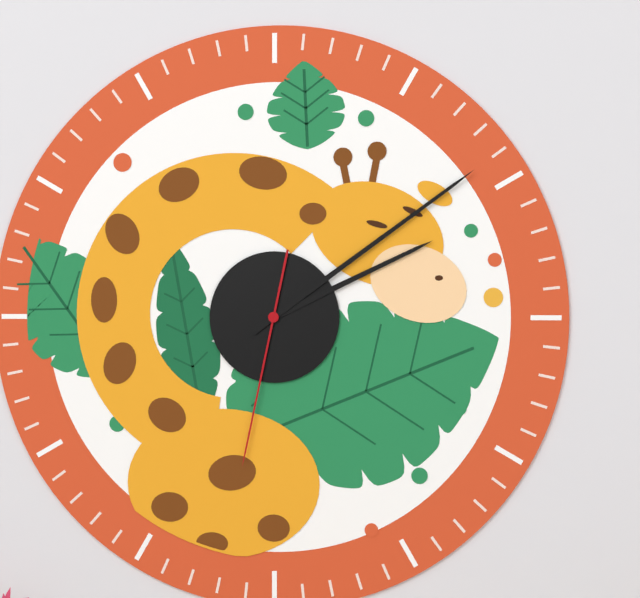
2:09:32
